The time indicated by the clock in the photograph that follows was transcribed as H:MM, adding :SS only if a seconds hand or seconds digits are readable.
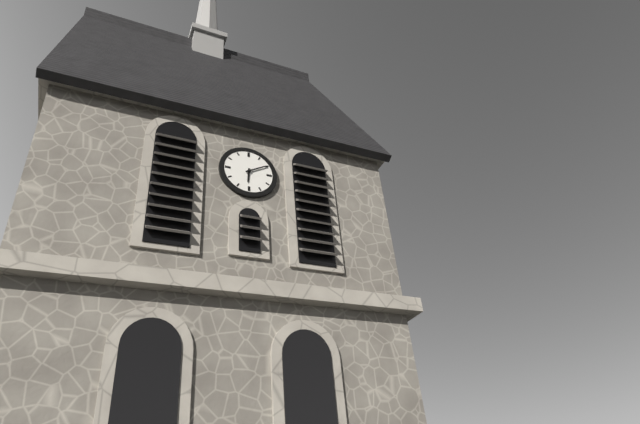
6:10
